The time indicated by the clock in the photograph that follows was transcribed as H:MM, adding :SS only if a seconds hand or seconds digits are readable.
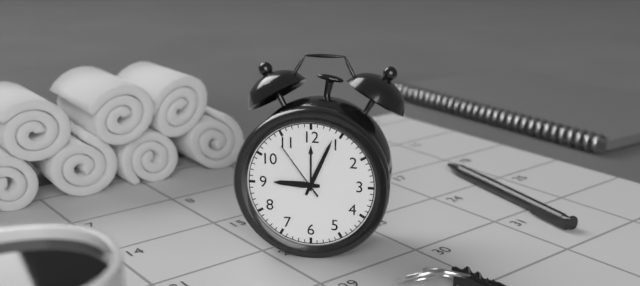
9:04:54
